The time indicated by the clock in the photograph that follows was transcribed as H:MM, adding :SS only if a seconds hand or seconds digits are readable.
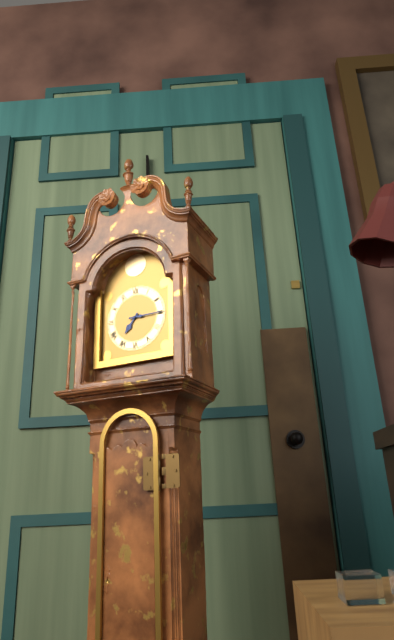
7:15
